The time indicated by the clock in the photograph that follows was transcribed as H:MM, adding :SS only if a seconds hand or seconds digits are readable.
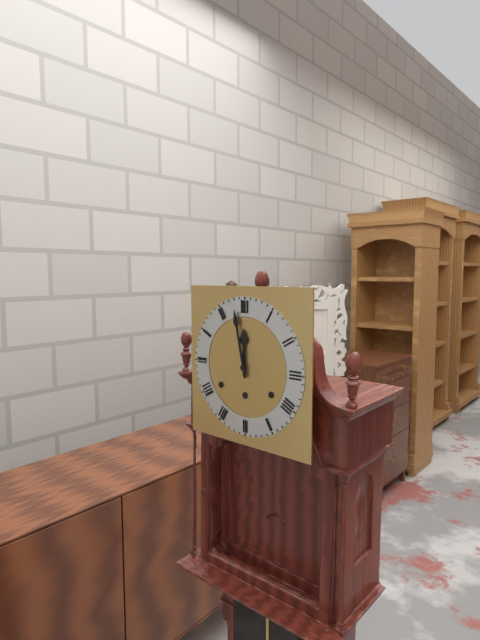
11:58
